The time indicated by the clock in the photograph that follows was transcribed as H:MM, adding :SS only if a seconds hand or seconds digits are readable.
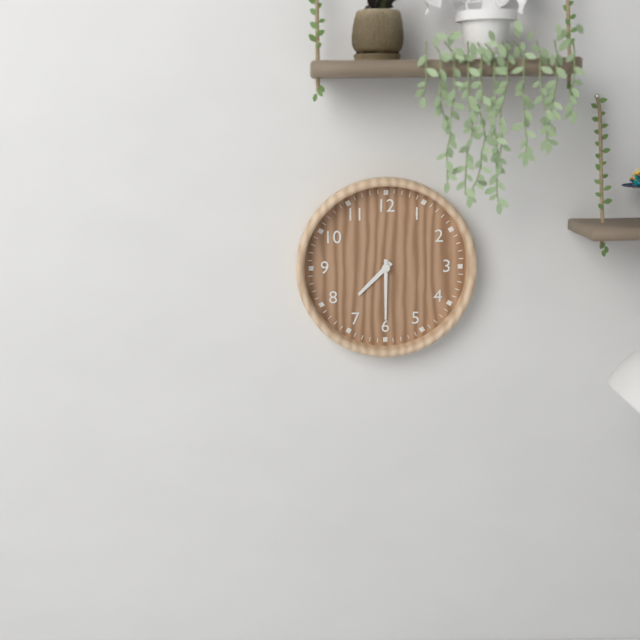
7:30
